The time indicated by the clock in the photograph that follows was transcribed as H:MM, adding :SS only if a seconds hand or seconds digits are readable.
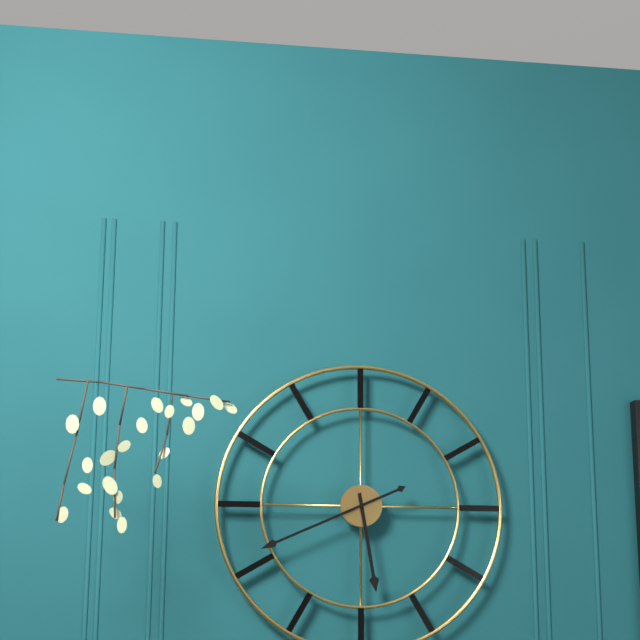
5:41
